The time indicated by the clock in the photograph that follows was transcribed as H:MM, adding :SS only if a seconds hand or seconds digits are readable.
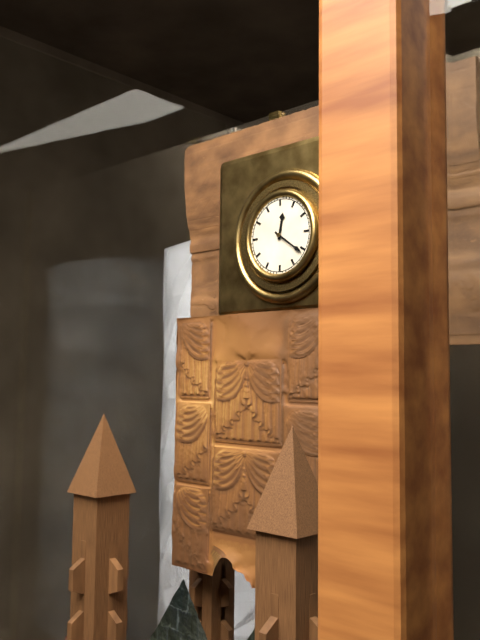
12:21
